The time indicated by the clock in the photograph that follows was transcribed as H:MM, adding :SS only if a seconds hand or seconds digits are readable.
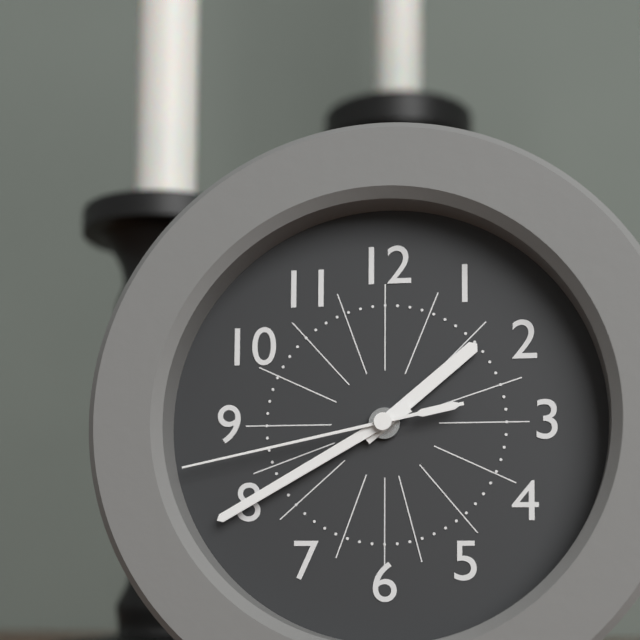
1:40:43
